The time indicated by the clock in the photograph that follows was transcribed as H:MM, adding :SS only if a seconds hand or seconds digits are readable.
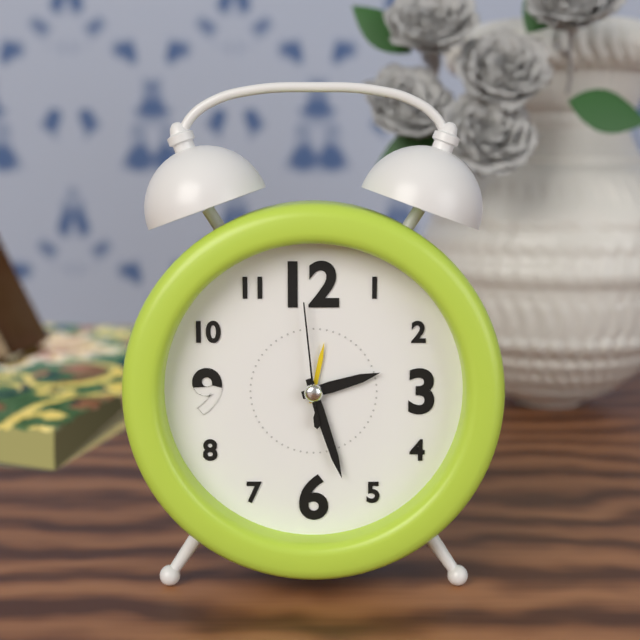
2:27:59
